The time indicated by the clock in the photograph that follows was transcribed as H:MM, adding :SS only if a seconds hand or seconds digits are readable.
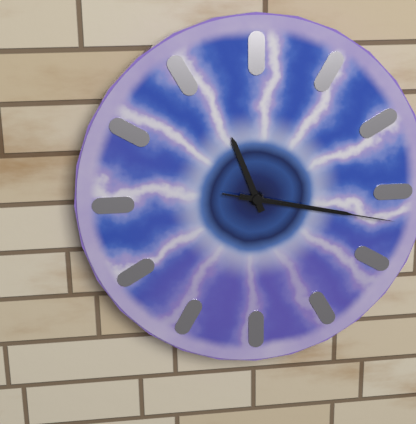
11:17:17
